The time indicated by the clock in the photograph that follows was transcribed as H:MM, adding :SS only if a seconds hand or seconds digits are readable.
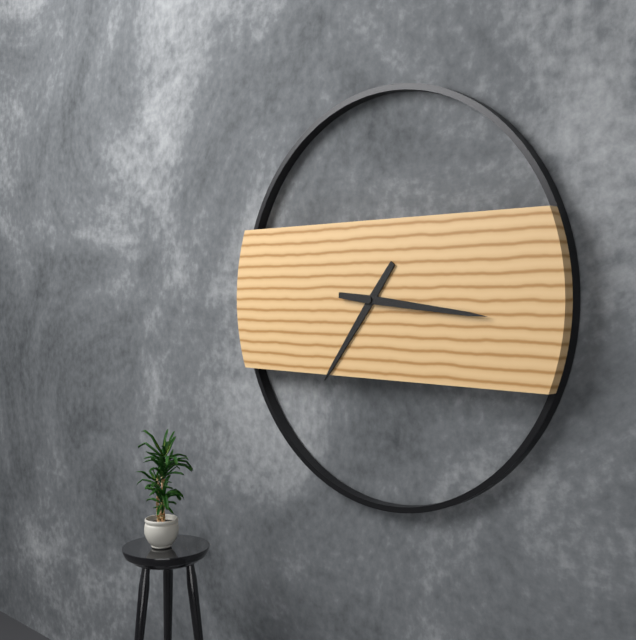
7:16
